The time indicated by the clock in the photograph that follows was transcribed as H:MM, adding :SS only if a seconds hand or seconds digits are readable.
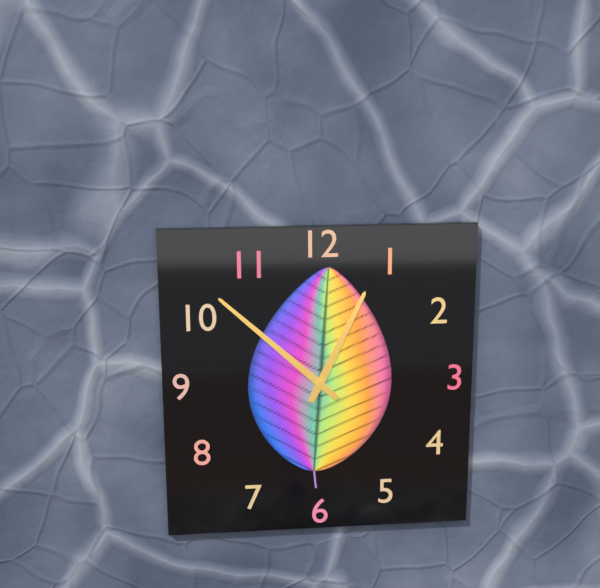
12:52
